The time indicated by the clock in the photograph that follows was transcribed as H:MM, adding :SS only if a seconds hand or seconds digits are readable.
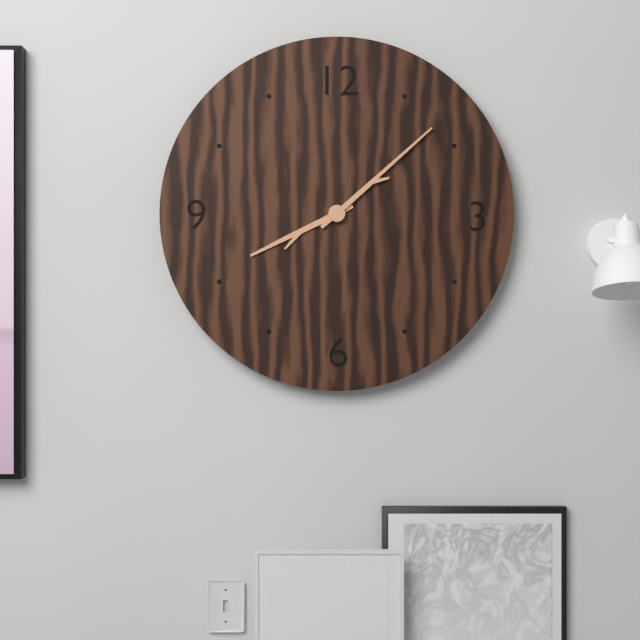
8:08
